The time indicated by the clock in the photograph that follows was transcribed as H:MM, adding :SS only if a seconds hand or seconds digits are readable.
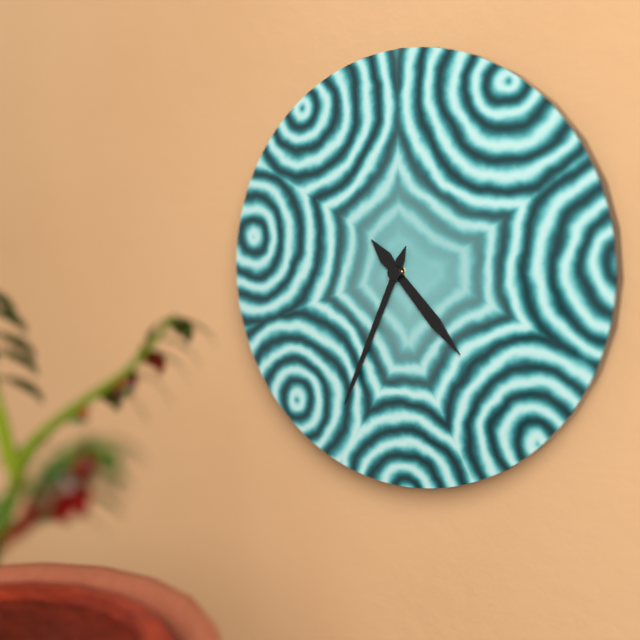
4:34
